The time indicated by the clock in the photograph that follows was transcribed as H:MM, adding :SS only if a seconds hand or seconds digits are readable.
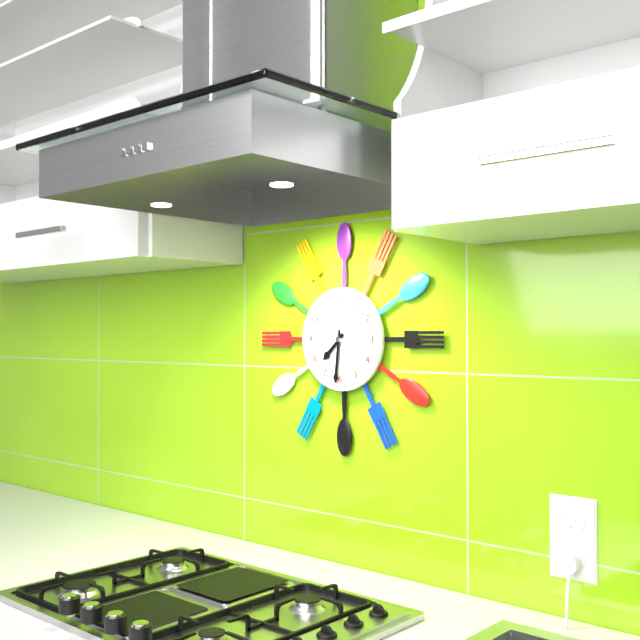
7:31
